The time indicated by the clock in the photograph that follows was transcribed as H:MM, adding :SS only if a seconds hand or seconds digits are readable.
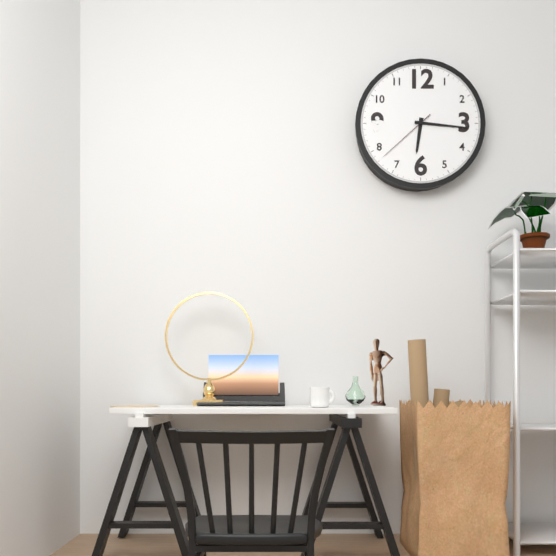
6:16:38
